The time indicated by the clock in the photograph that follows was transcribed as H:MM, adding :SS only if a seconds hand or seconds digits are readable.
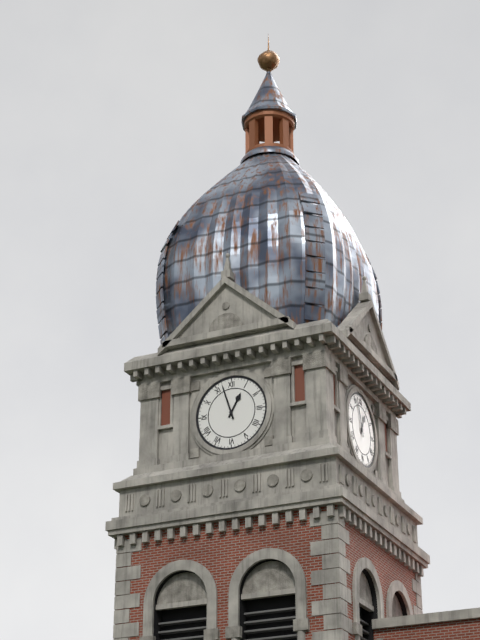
12:57
